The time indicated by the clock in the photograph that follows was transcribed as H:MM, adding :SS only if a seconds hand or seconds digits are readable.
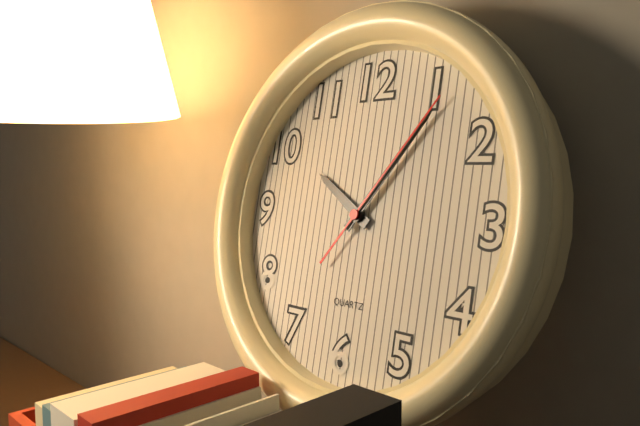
10:06:06
